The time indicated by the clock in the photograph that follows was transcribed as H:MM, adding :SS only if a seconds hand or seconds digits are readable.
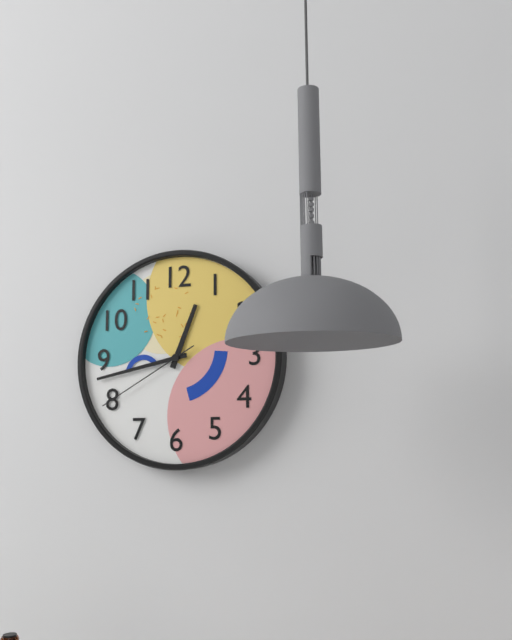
12:43:40
